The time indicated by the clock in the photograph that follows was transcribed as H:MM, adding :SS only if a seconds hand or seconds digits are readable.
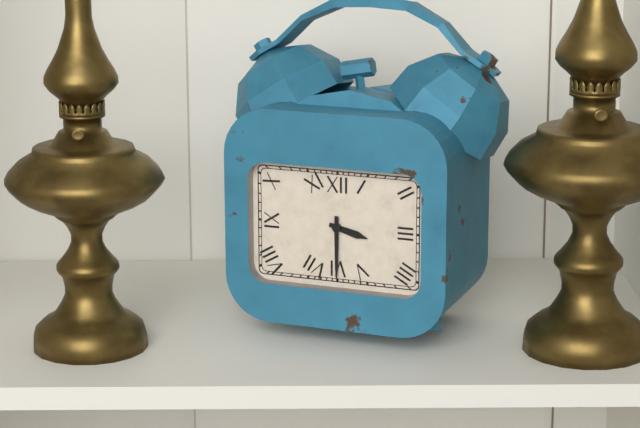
3:30
